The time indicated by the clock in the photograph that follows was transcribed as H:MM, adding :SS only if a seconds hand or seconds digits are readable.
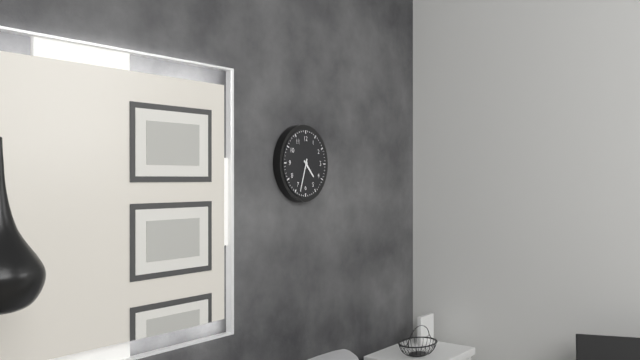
4:33
